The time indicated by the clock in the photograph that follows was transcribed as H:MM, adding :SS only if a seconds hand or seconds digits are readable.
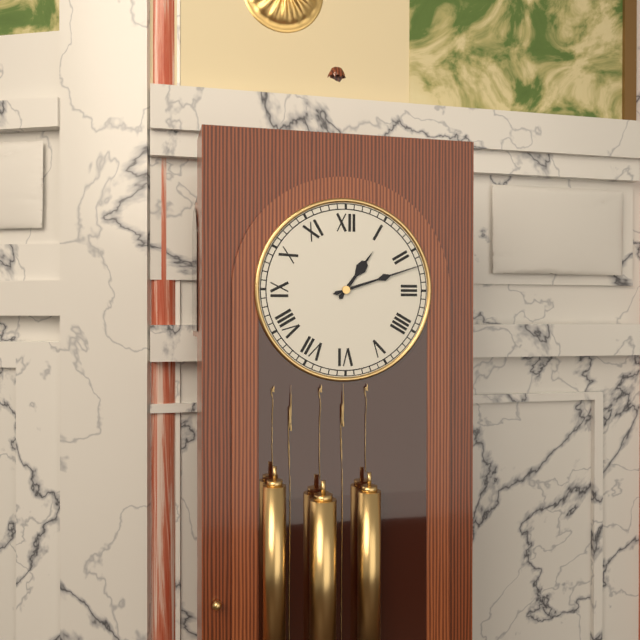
1:12
